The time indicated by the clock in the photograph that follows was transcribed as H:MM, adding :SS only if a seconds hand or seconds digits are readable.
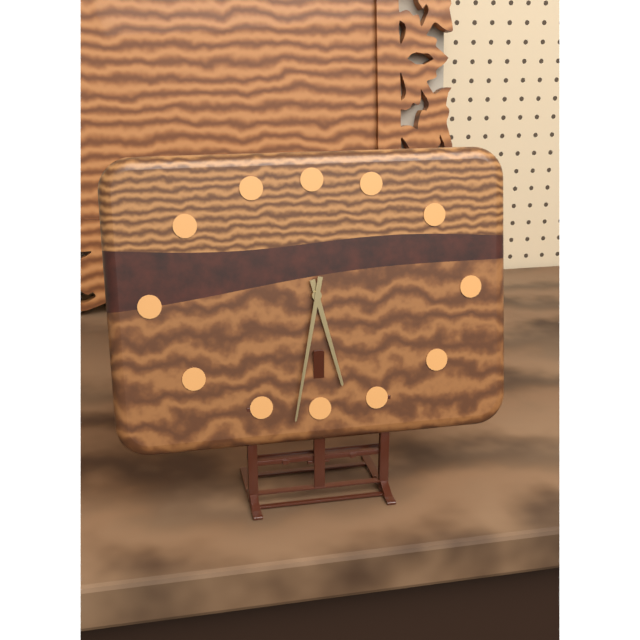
5:32
